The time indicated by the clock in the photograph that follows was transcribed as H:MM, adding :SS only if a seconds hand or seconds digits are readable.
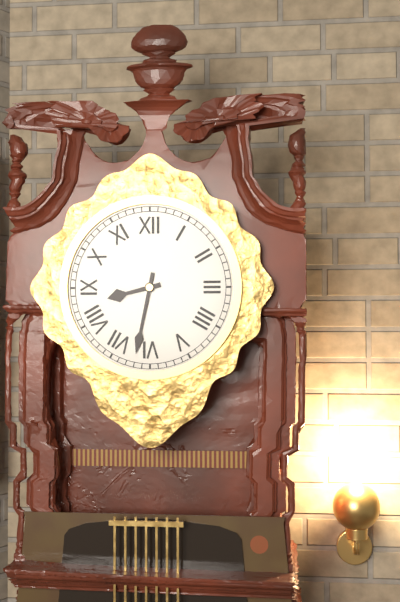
8:32
